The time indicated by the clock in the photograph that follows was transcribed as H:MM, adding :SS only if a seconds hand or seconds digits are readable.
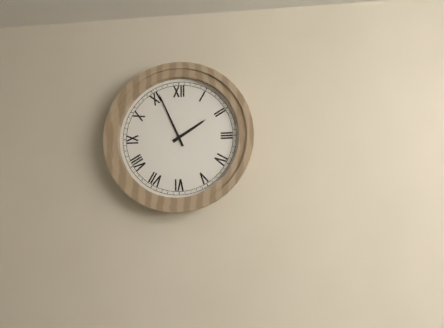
1:56
